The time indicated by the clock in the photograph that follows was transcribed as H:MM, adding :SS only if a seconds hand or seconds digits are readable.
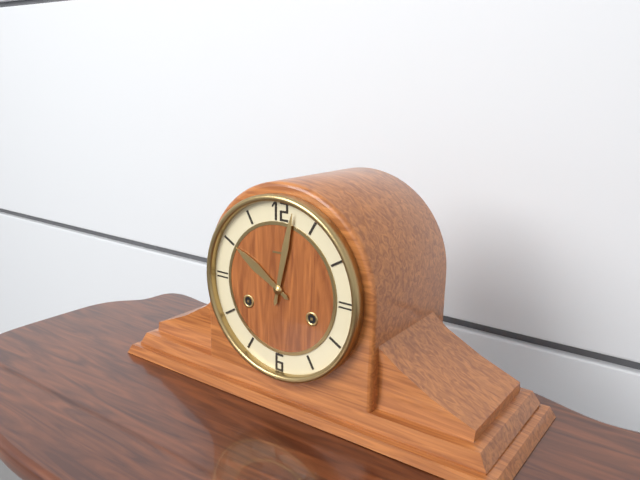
10:02
